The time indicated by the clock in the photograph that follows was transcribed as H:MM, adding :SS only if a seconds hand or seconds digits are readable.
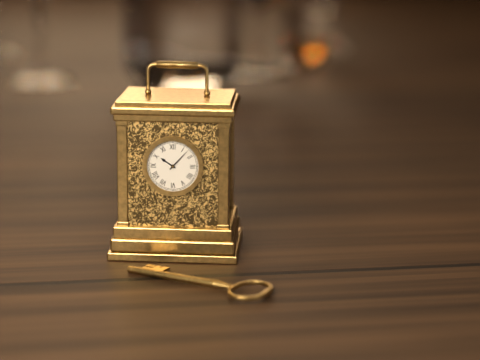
10:07
